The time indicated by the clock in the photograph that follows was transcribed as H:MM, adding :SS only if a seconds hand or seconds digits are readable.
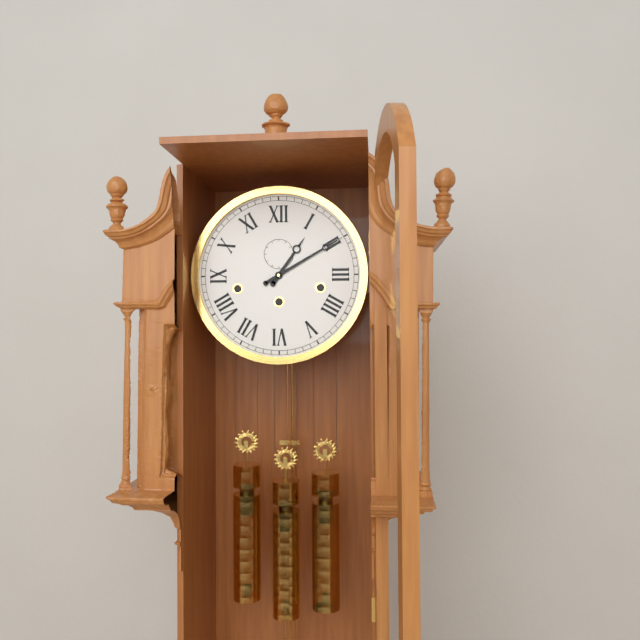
1:10
